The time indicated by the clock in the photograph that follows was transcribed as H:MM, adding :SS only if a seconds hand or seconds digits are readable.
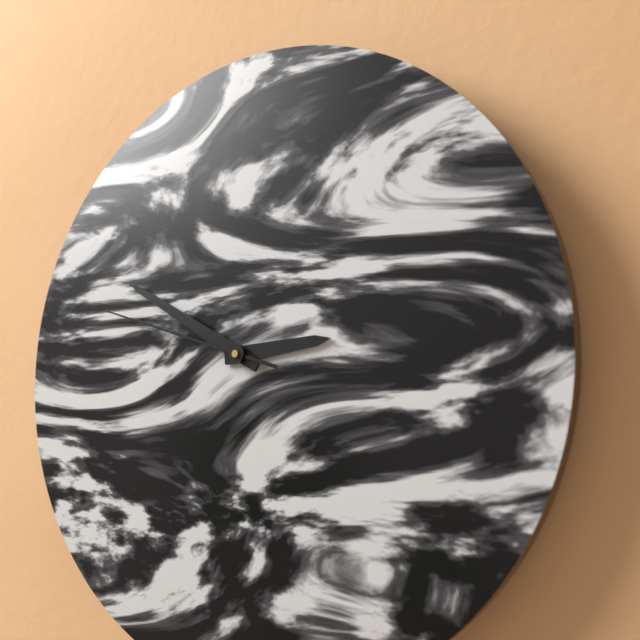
2:50:48
